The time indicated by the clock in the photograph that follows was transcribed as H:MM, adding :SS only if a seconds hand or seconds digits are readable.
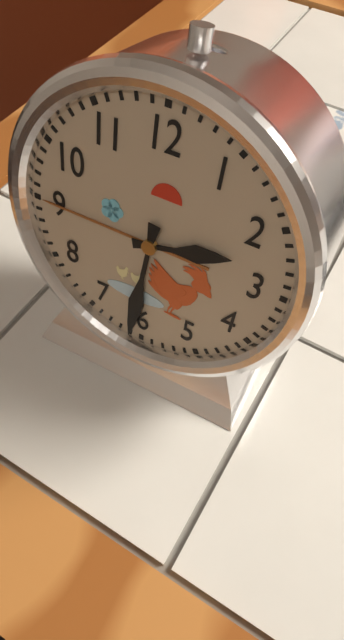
2:31
